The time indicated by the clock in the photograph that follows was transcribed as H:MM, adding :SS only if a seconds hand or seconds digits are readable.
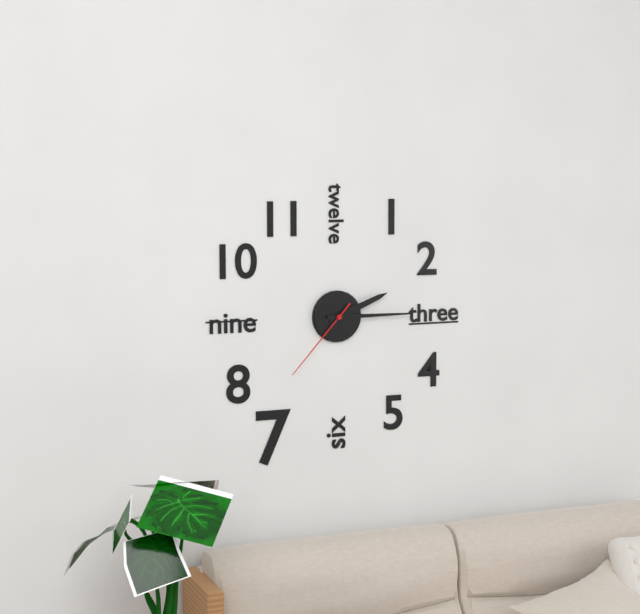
2:15:37
